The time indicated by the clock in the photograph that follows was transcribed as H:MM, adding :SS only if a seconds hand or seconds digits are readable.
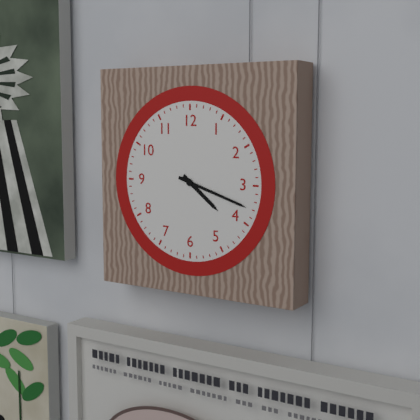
4:18
